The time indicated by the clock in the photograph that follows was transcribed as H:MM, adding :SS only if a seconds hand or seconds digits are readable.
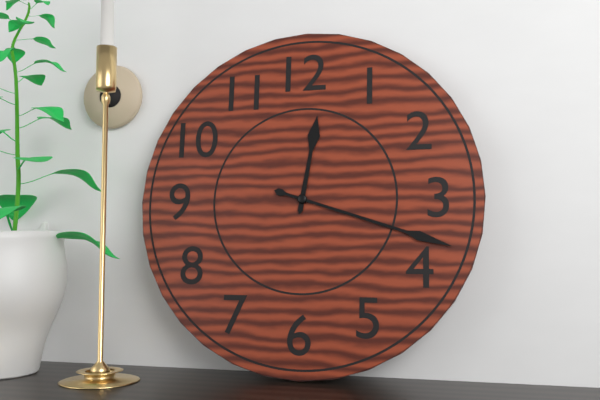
12:18
